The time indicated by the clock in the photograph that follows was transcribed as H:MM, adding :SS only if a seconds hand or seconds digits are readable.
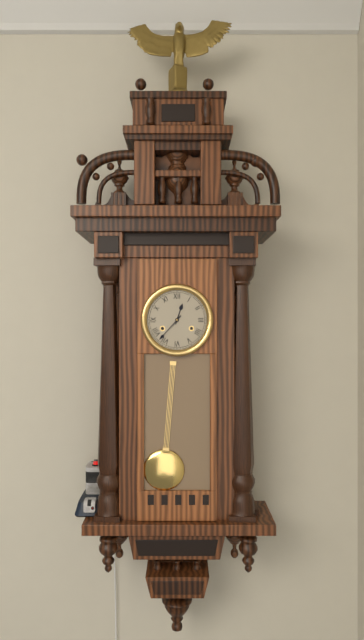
12:37
